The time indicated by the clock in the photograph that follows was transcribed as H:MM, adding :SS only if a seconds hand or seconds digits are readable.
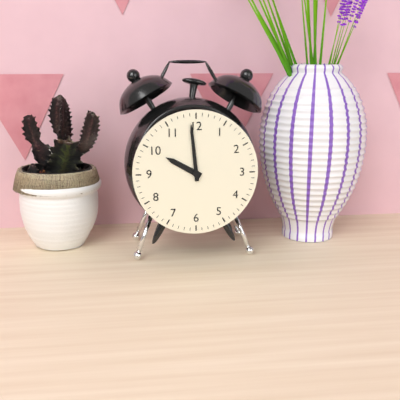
9:59
